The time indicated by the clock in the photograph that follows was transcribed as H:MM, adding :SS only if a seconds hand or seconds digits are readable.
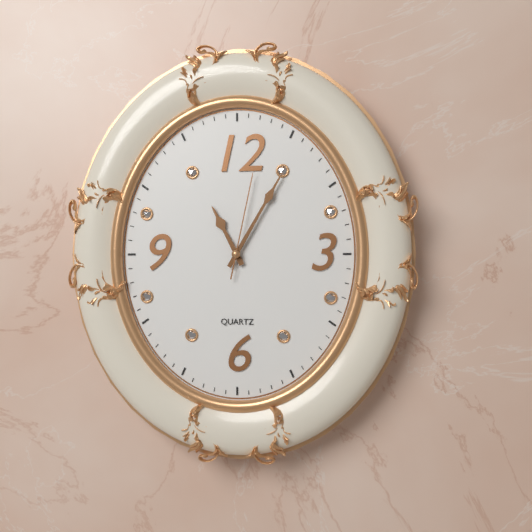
11:05:02
